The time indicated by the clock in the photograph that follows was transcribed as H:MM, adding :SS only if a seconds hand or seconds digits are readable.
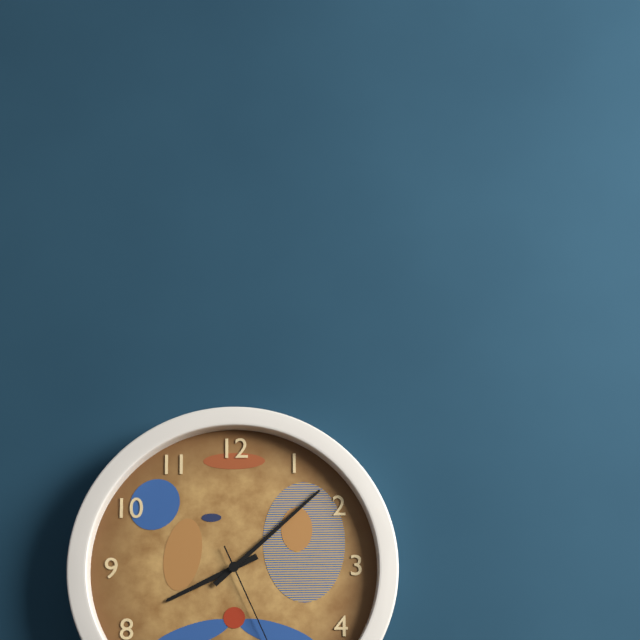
8:08
